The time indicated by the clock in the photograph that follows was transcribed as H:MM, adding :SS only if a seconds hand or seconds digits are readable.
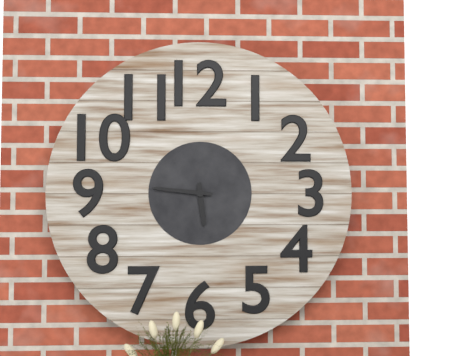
5:46
